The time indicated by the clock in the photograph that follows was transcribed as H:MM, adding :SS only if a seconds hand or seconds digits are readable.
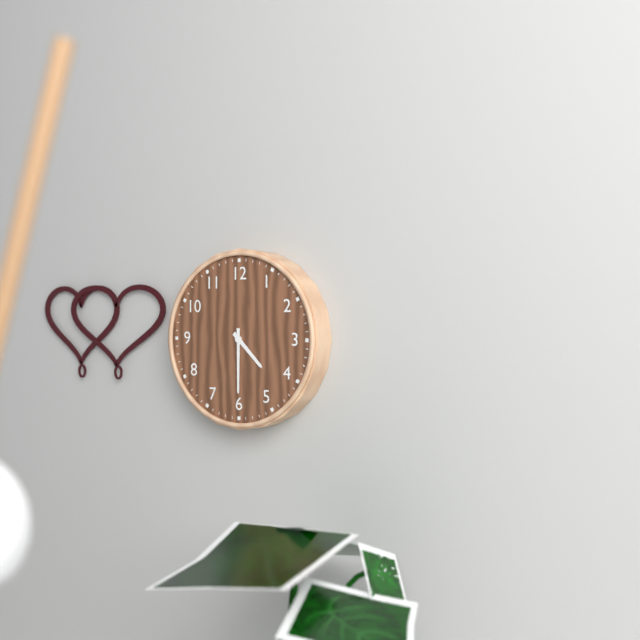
4:30
